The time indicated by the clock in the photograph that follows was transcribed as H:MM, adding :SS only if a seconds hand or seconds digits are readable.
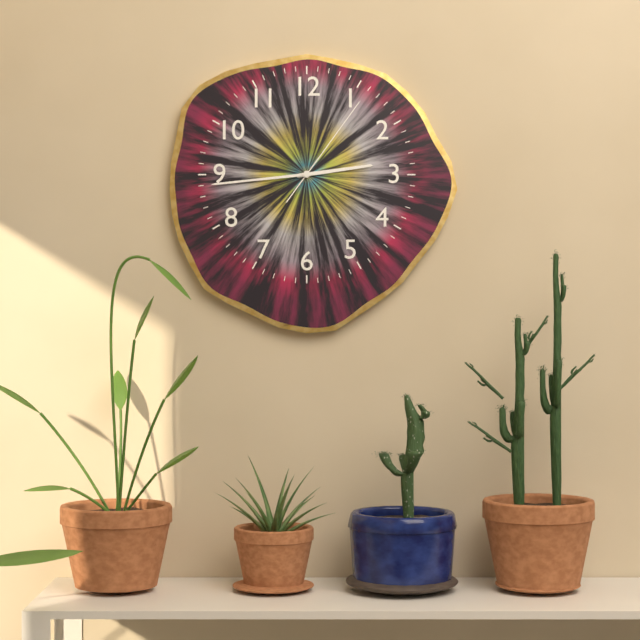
2:44:06
